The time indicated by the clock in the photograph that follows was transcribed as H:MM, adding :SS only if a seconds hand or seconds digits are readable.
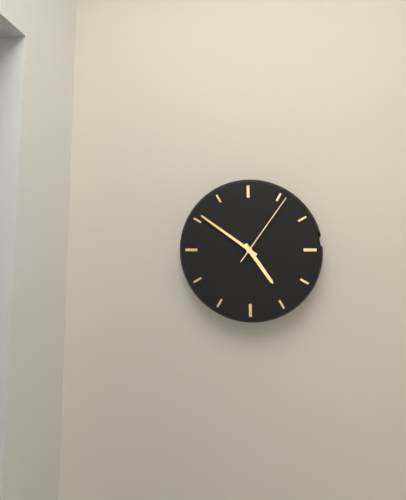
4:51:06
